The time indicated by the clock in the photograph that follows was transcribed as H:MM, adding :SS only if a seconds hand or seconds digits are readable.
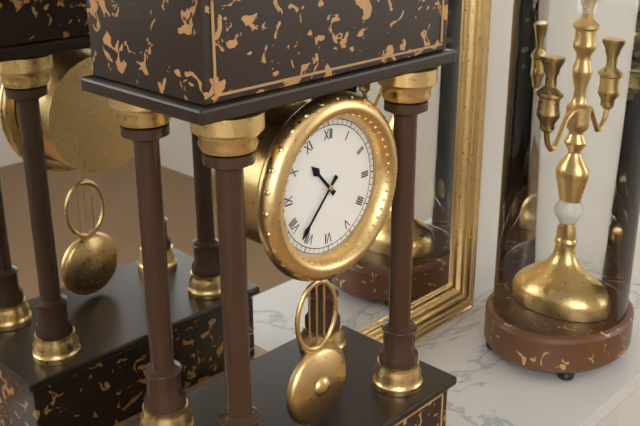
10:37
